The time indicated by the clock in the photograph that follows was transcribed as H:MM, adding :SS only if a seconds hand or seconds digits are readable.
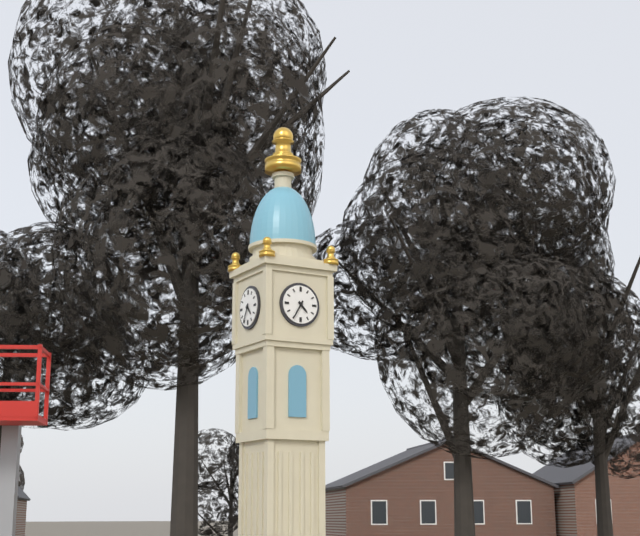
4:35
